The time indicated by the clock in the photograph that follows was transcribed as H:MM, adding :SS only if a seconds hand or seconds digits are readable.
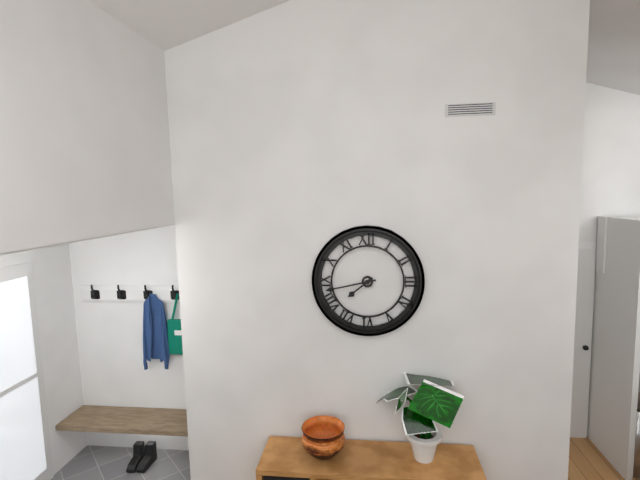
7:43
